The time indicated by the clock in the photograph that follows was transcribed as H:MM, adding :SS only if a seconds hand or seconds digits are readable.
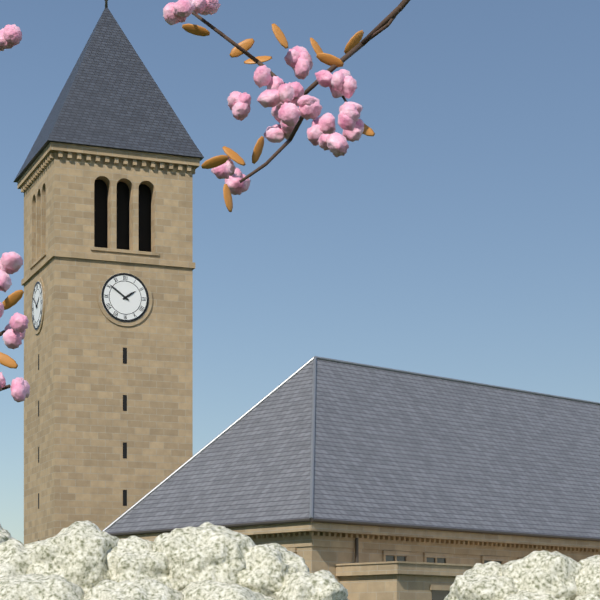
1:51
